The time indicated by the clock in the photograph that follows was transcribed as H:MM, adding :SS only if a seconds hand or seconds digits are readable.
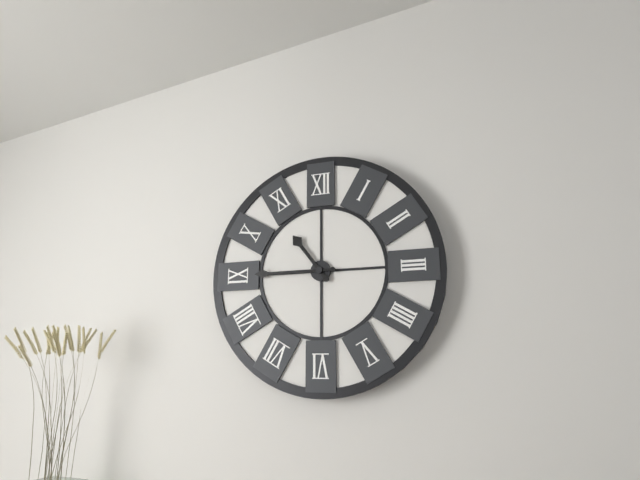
10:45
